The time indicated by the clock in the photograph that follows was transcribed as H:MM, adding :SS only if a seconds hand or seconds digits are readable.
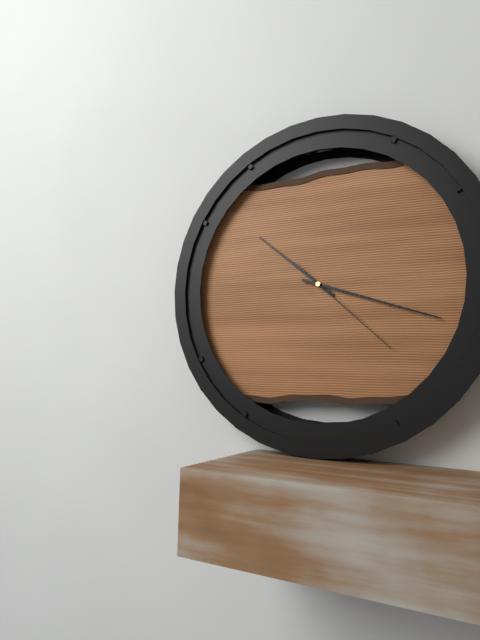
10:18:22
